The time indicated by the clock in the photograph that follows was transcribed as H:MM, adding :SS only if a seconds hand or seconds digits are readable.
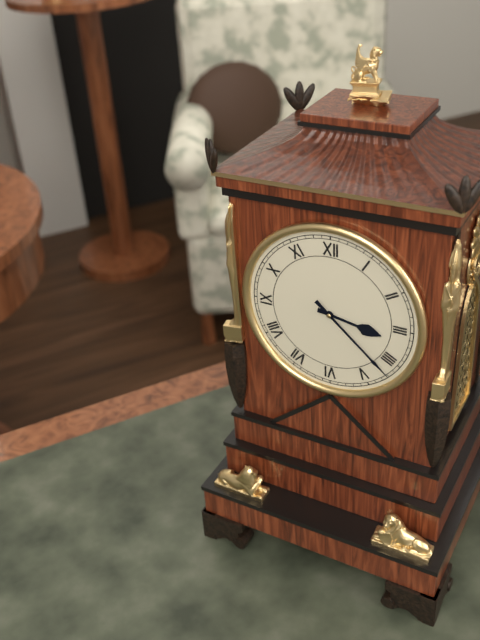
3:22
